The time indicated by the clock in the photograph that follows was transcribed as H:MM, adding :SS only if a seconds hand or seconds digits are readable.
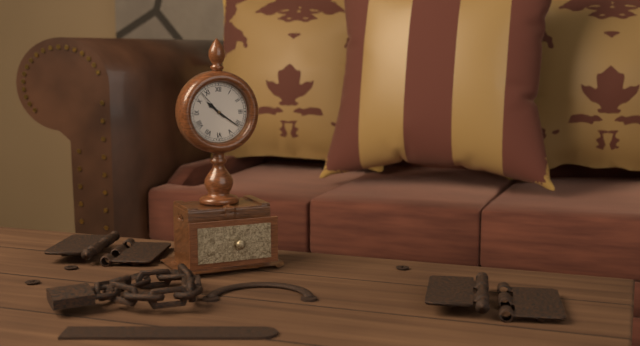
10:21
